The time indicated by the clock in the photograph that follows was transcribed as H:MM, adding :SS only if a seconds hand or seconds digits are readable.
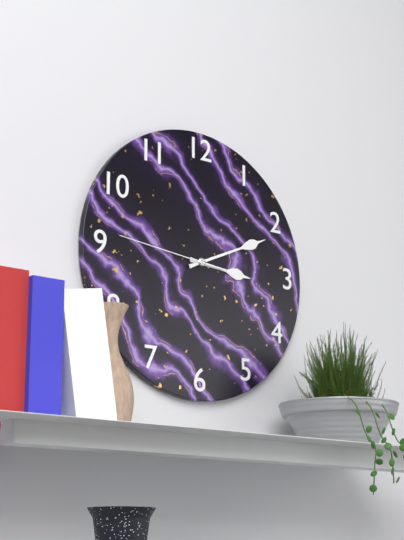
3:11:46
